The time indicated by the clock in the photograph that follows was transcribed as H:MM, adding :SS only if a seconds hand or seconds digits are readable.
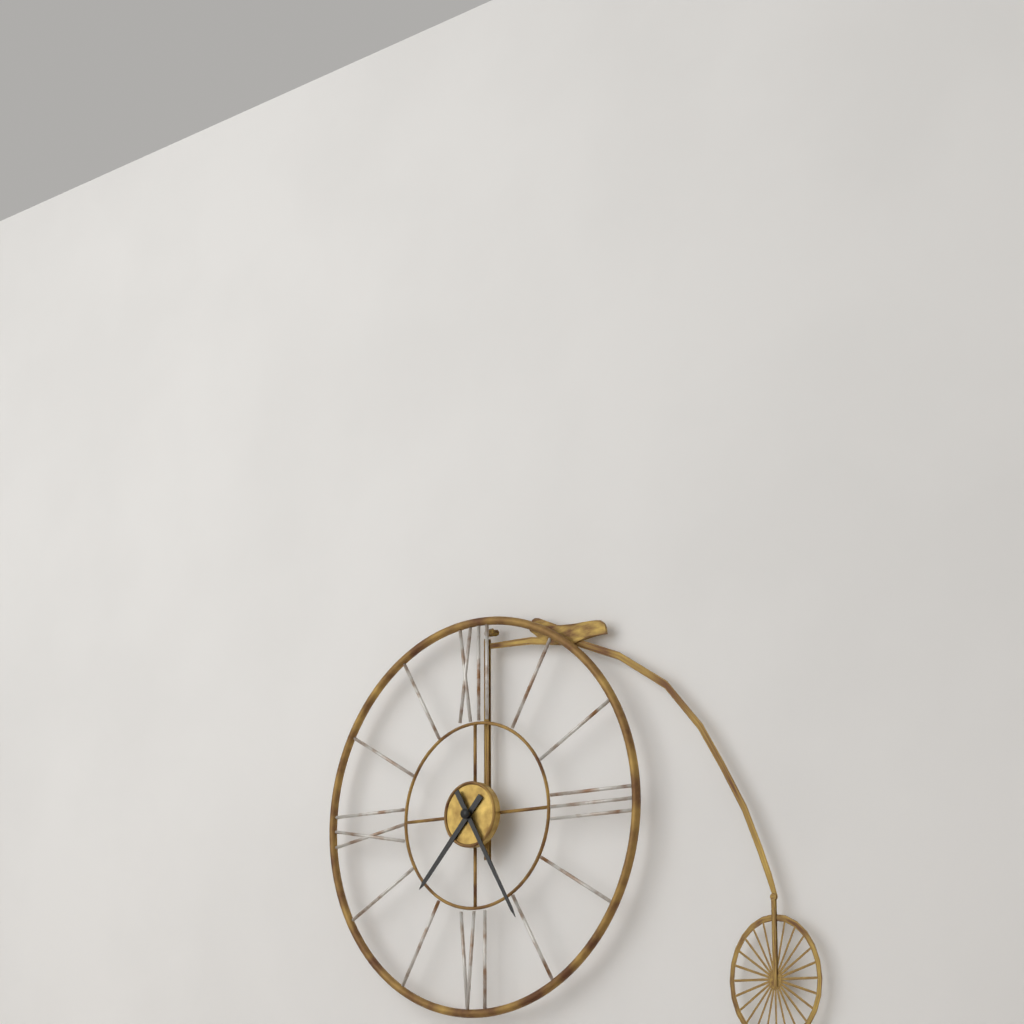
7:25
